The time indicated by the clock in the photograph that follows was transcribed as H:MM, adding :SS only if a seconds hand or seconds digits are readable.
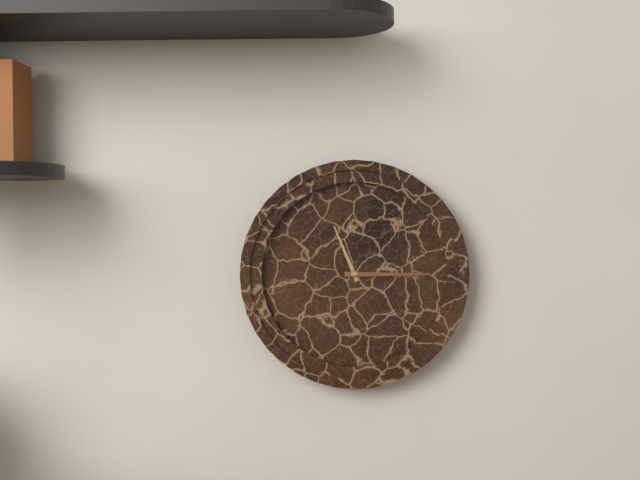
11:15
